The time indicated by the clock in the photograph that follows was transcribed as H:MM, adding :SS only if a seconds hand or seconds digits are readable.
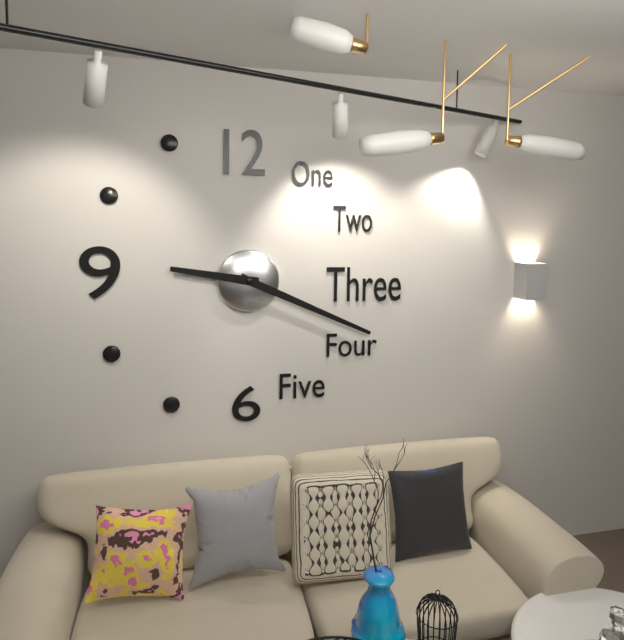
9:19
